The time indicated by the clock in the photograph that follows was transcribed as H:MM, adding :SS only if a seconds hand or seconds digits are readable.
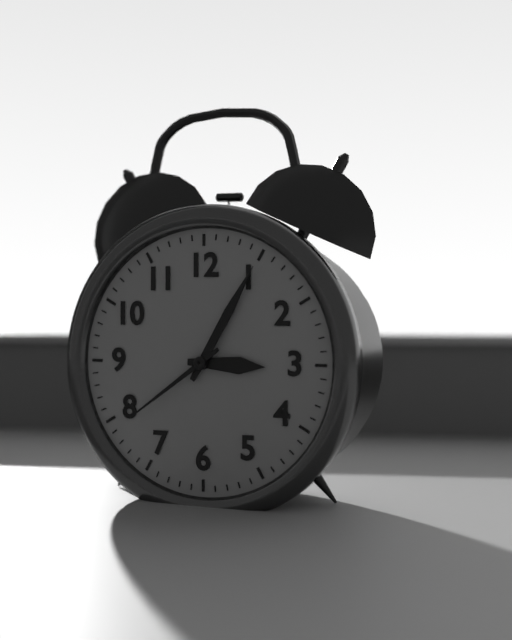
3:05:39
